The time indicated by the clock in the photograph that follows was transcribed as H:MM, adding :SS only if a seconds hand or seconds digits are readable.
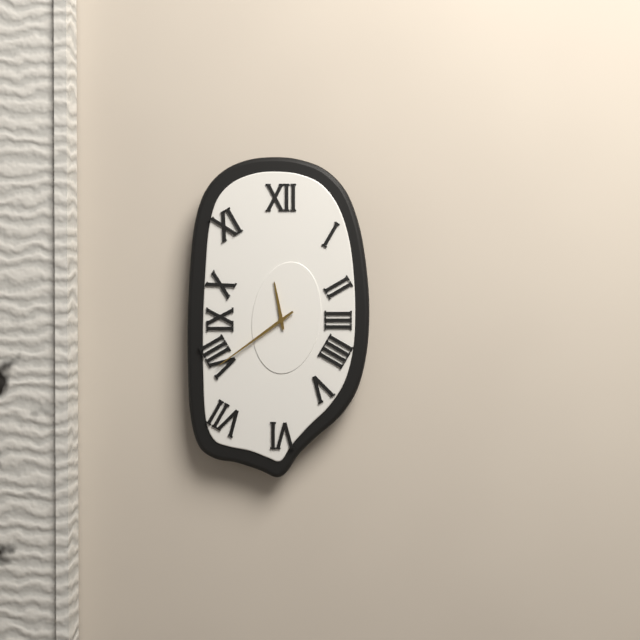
11:39
